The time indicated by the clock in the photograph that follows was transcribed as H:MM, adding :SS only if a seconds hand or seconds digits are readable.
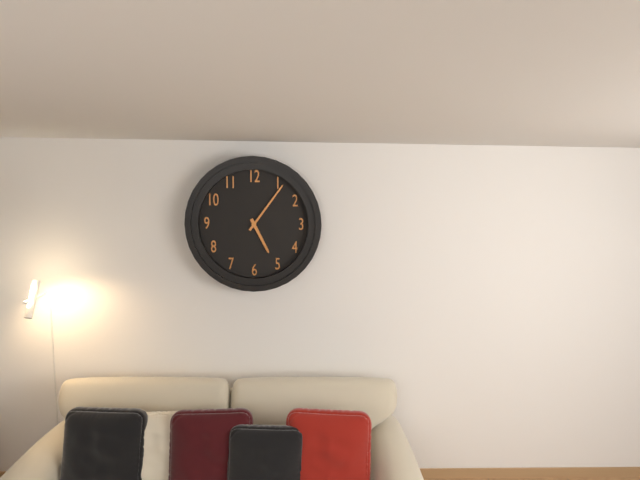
5:06
